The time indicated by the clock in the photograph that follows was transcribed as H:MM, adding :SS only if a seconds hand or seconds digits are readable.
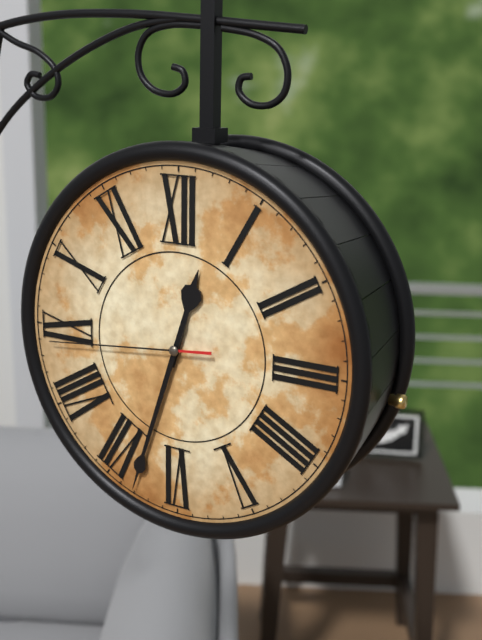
12:33:44
